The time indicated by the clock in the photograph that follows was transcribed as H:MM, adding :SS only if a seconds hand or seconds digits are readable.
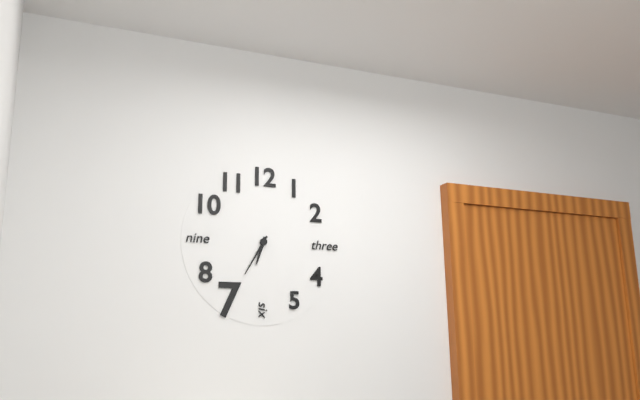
6:35
